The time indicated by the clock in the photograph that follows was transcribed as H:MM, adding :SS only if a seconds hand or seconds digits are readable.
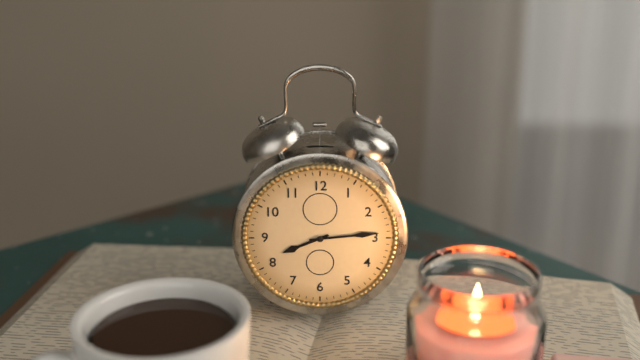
8:14
